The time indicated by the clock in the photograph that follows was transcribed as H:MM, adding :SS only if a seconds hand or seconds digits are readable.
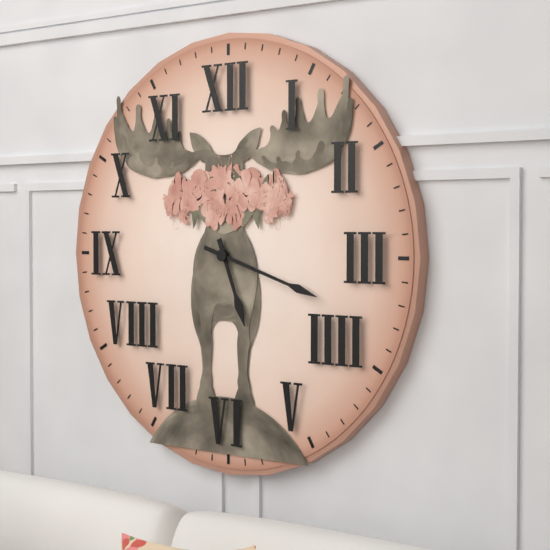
5:18
